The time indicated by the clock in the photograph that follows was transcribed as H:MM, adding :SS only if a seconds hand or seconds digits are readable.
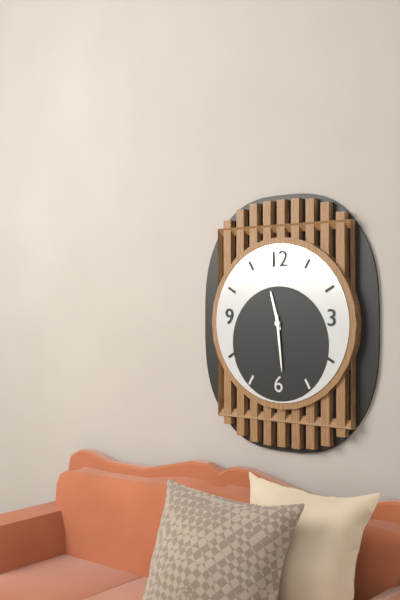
11:29
